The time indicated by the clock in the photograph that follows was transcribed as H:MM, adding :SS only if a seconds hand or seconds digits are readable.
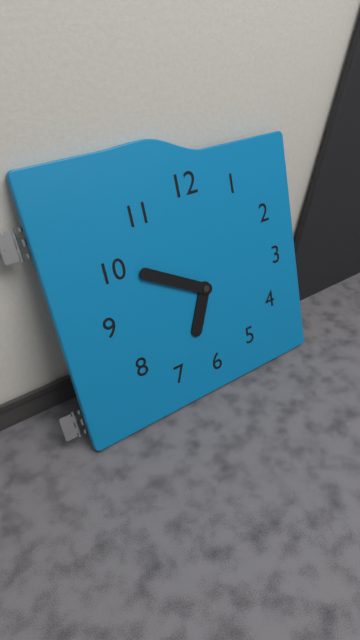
6:50
